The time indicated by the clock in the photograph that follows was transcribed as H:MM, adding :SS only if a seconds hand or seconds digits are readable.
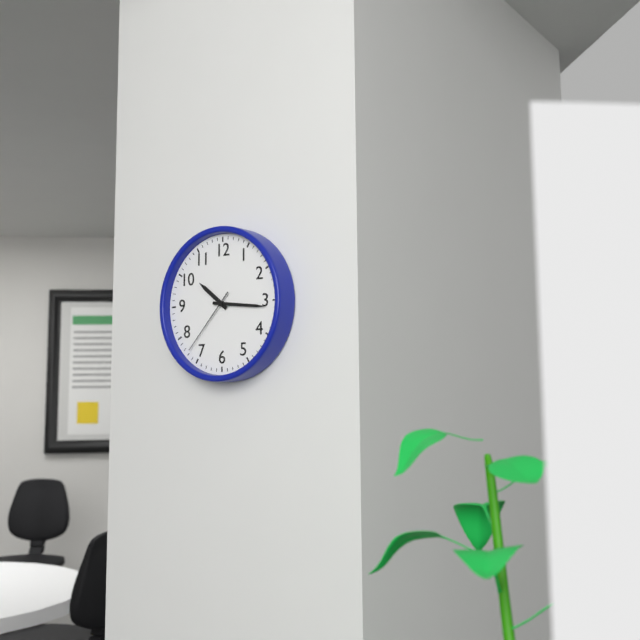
10:16:37
